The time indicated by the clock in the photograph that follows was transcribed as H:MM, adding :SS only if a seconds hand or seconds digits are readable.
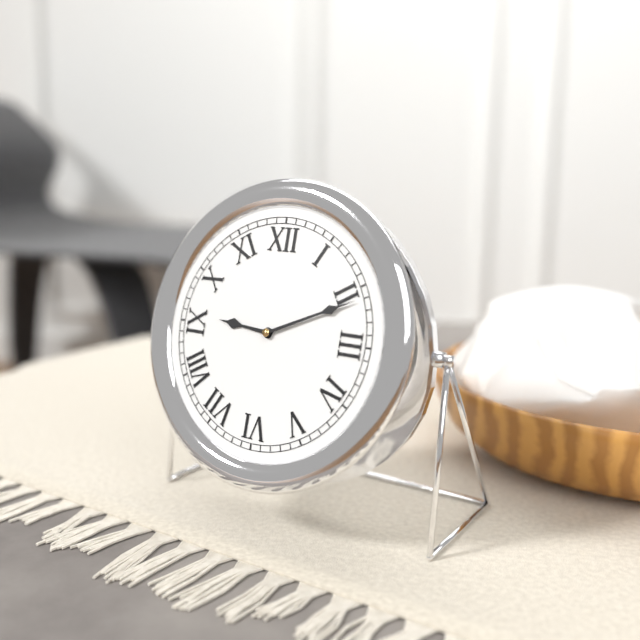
9:11
